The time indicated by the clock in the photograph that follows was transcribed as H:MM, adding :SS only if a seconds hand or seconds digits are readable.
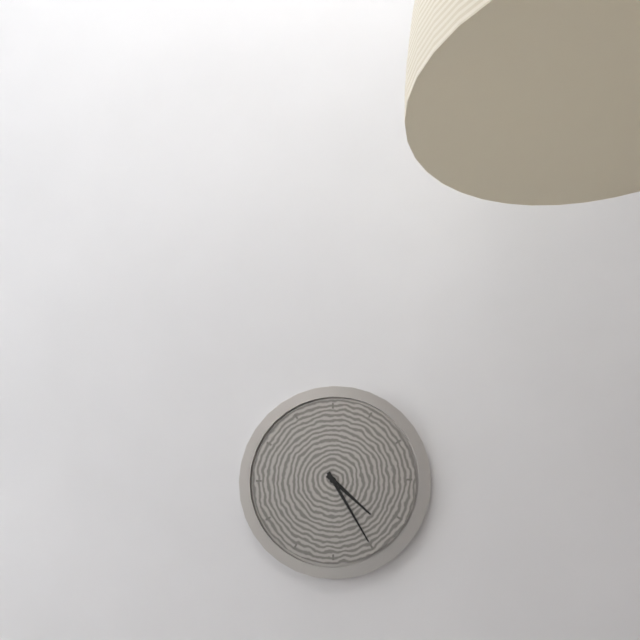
4:25
